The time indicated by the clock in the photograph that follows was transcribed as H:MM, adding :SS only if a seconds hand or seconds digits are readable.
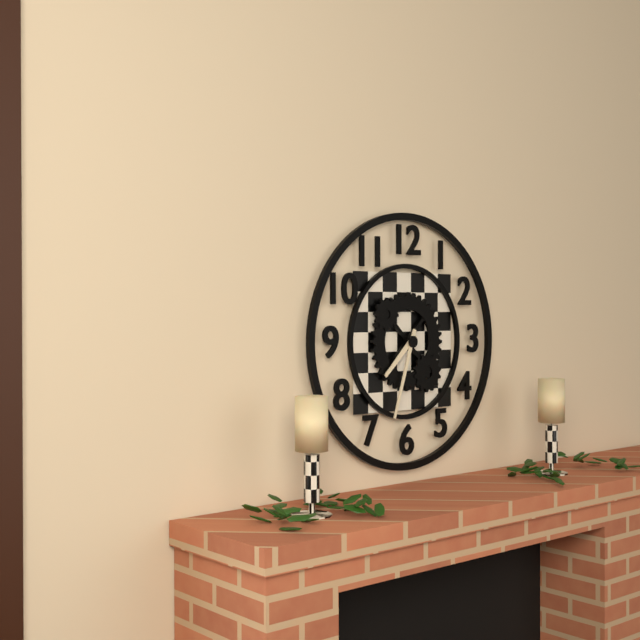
7:33
